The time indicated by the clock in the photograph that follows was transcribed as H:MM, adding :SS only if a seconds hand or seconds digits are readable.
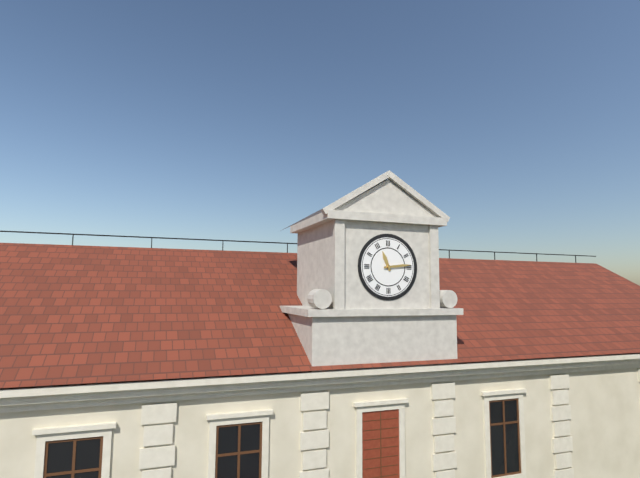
11:14
